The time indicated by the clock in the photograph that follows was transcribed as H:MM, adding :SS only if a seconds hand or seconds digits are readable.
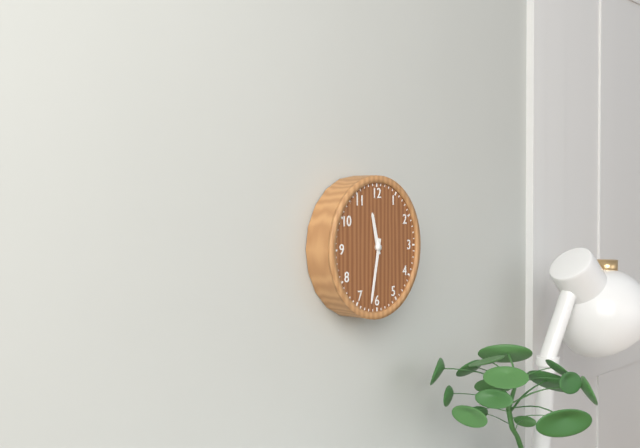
11:32
